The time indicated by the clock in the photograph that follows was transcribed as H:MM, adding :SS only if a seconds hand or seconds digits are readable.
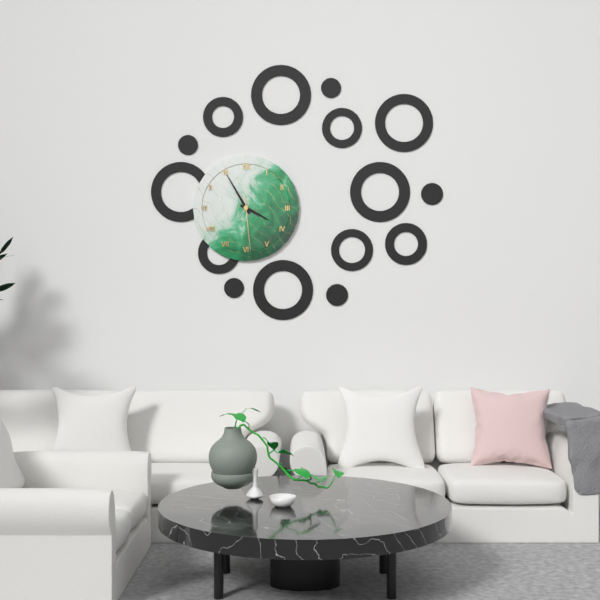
3:55:29
